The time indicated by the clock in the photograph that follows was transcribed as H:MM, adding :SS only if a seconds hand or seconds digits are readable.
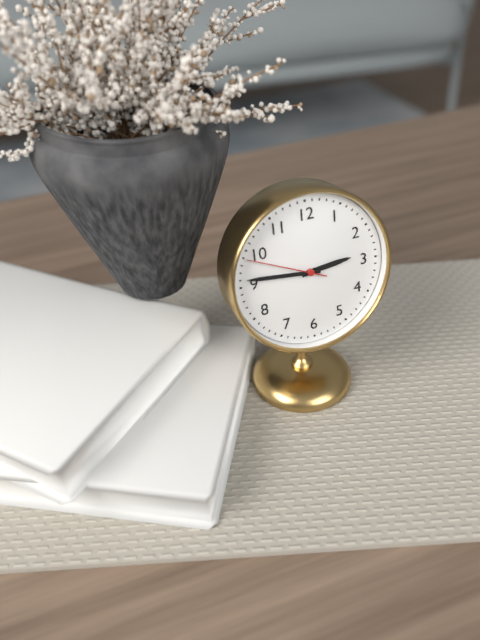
2:46:49
